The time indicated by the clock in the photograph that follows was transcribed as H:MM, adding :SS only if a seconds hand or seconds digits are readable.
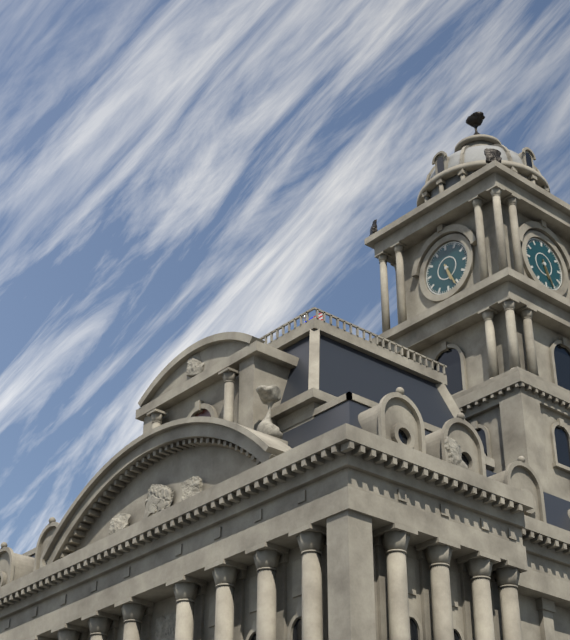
5:26
